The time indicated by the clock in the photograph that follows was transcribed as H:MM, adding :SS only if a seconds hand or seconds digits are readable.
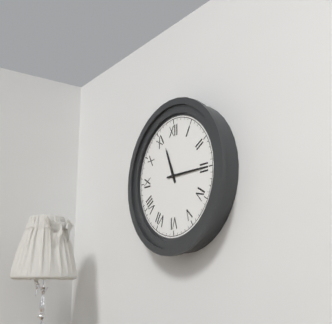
11:15
